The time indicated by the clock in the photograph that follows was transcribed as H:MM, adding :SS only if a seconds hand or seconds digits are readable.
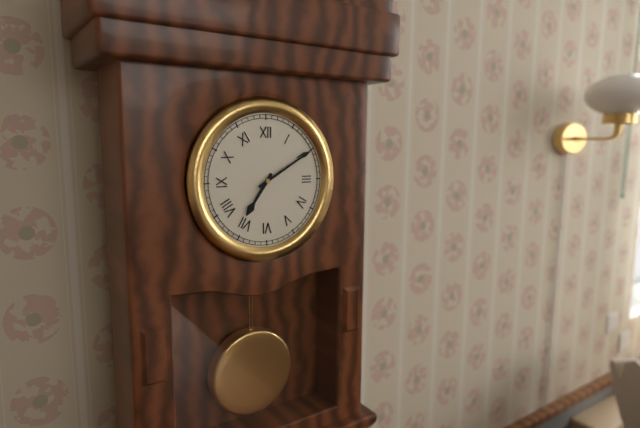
7:10
